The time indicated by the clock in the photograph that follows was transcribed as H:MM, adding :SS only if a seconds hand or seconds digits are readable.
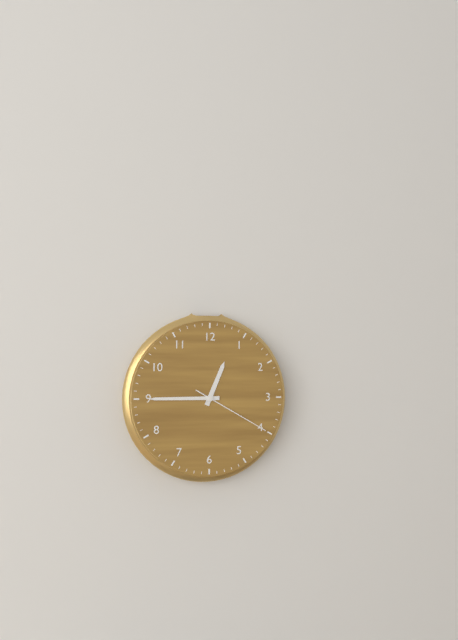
12:45:20
